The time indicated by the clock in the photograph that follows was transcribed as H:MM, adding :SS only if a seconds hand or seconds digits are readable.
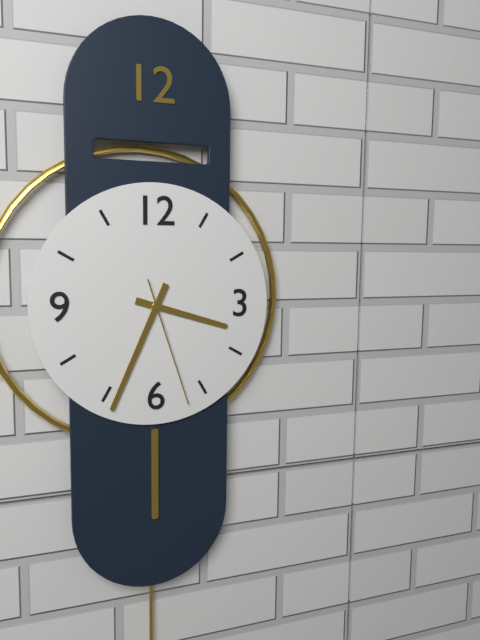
3:34:27
